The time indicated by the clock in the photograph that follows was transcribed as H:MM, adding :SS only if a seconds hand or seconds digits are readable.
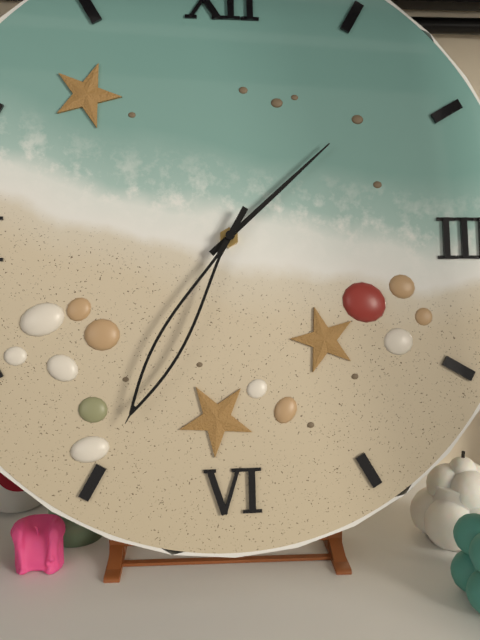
1:35
